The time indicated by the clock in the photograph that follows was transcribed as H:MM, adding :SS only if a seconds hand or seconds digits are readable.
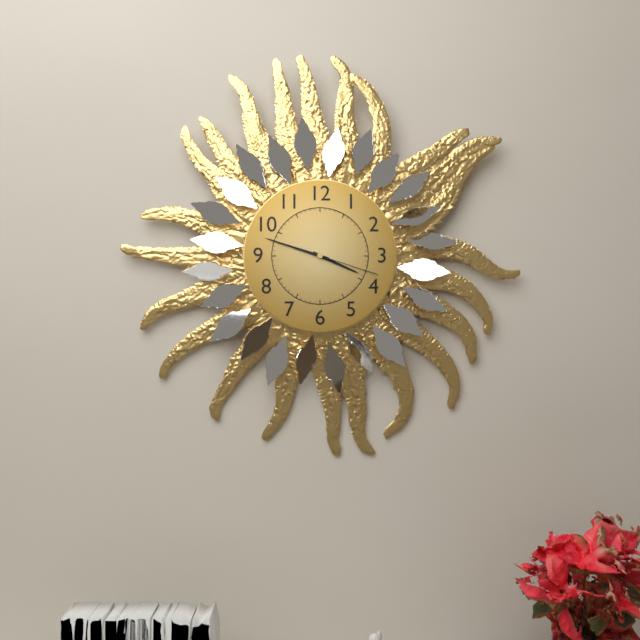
3:48:18
